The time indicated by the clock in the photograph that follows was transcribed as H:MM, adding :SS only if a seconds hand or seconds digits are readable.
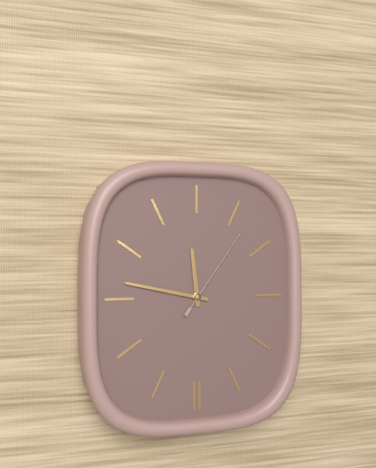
11:47:06
